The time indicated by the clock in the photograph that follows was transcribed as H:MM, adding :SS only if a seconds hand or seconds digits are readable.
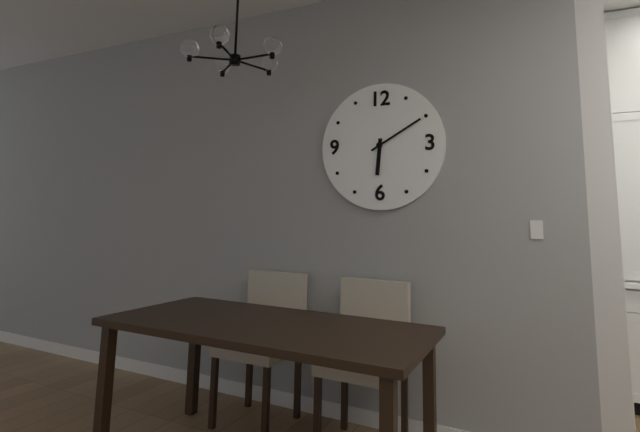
6:10
